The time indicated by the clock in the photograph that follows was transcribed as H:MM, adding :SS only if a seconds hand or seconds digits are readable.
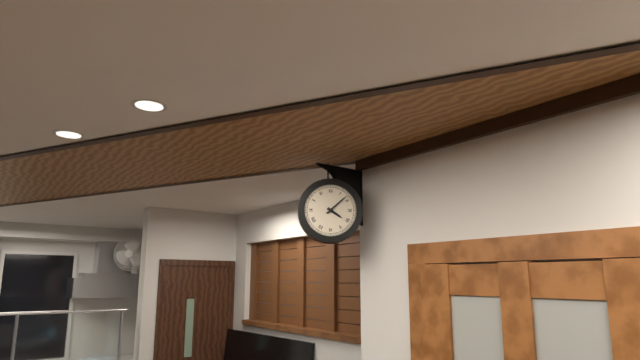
4:08
